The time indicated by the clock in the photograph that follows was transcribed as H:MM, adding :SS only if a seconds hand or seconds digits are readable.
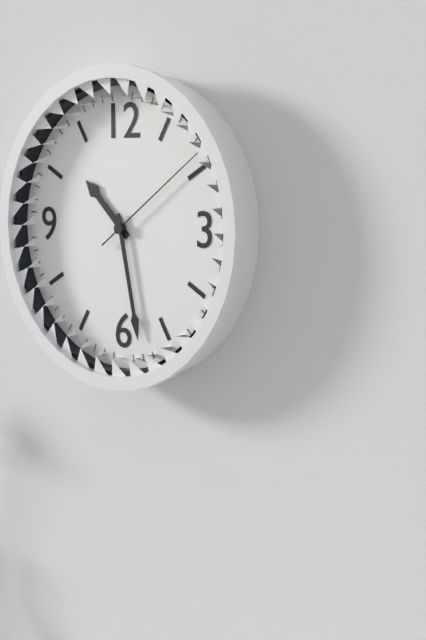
10:28:09
